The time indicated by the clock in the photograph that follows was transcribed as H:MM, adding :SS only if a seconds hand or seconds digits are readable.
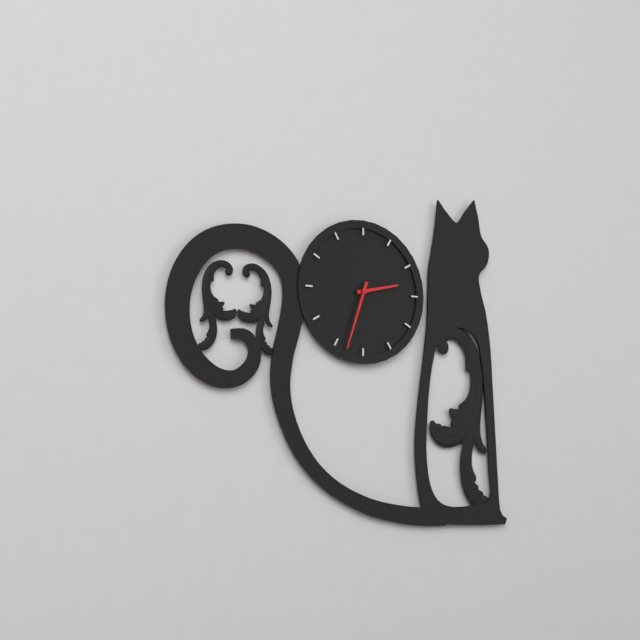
2:33
